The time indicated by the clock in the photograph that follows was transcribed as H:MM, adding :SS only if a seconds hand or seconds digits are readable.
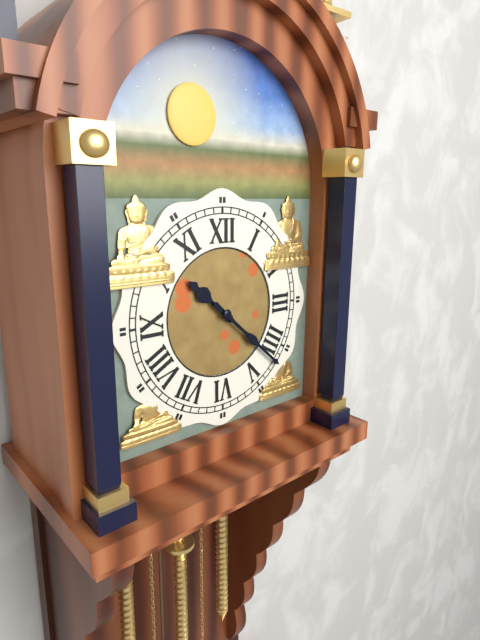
10:22
